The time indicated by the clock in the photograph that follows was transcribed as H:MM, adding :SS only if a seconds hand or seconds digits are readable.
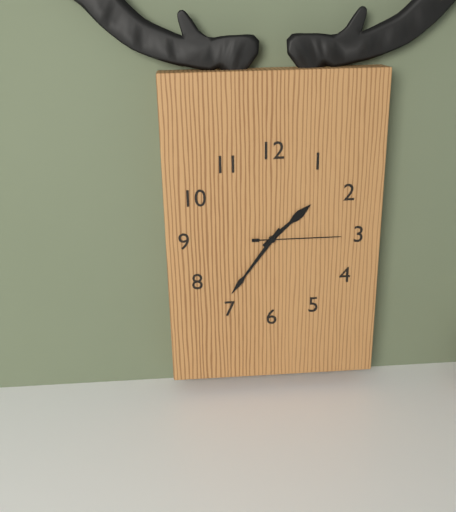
1:36:15
